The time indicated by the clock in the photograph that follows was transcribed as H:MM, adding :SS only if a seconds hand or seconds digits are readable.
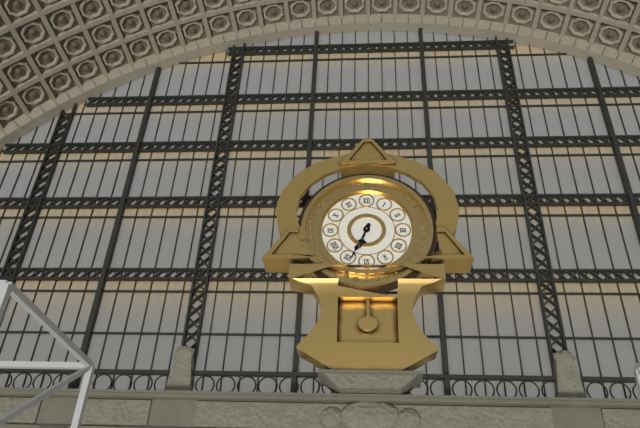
6:34
